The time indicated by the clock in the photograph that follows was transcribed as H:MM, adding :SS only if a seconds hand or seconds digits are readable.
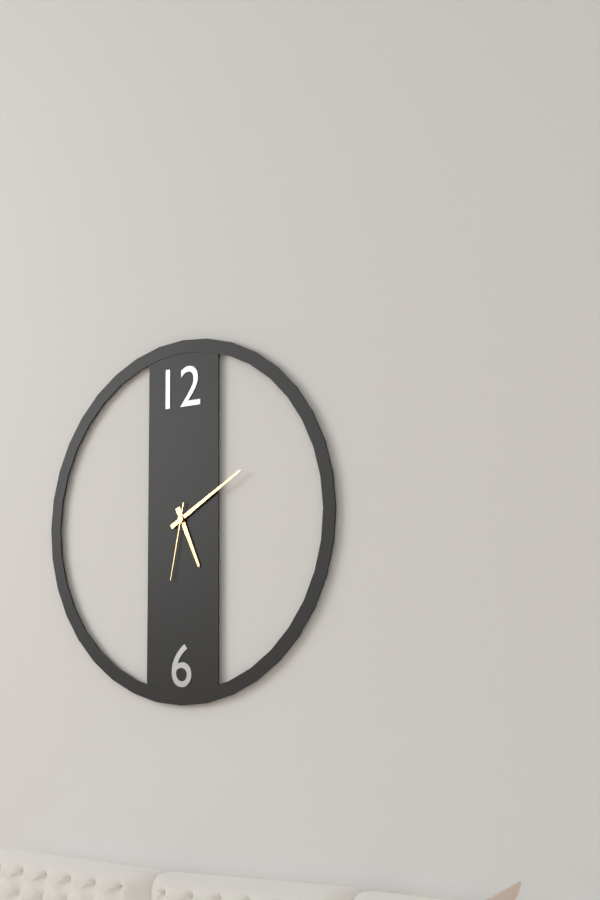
5:10:32
